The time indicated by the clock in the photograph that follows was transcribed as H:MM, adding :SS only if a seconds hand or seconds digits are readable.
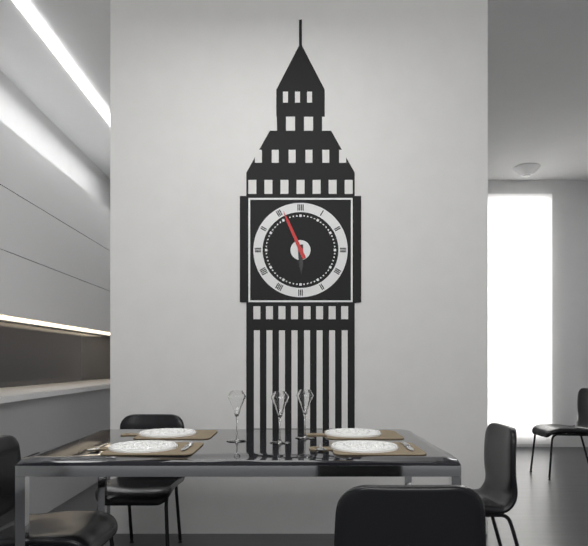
5:56
